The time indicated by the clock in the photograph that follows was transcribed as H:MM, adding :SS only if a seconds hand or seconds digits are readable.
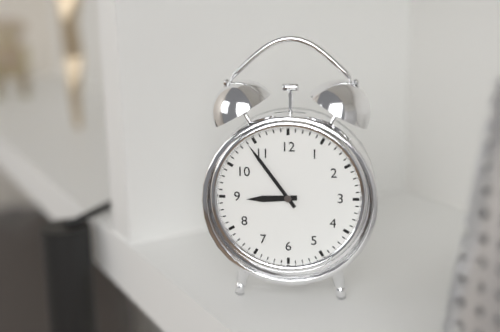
8:54
